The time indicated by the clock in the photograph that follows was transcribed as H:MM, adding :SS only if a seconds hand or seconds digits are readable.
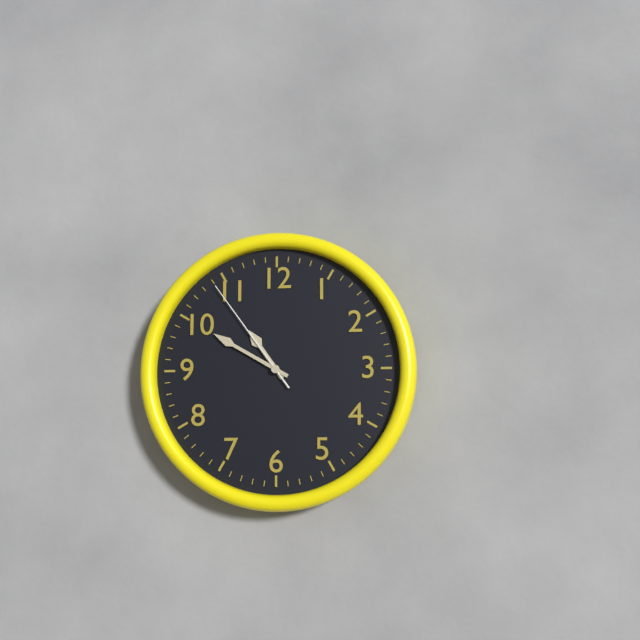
10:50:54
